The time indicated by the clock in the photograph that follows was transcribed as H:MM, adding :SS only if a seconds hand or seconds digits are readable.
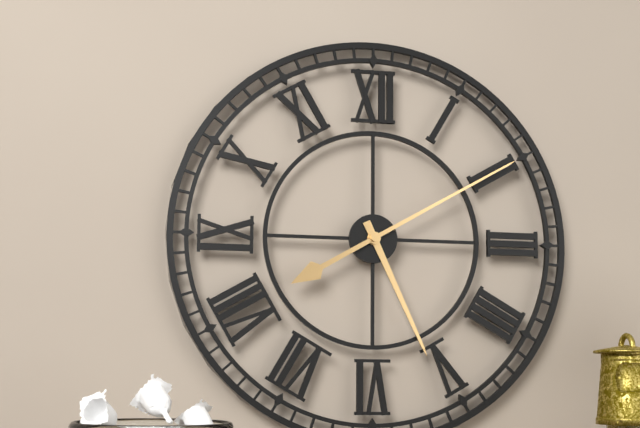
5:10
